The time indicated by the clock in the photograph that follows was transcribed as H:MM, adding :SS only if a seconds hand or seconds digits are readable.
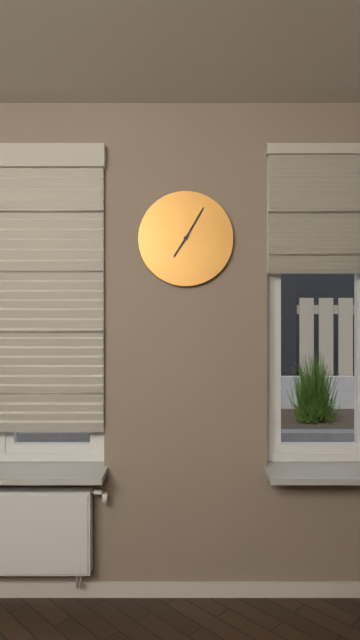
7:05
